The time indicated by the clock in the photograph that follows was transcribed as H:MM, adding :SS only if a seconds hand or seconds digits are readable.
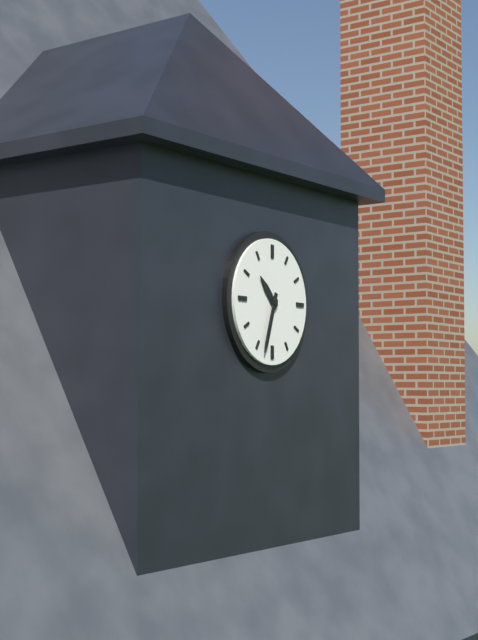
10:33
